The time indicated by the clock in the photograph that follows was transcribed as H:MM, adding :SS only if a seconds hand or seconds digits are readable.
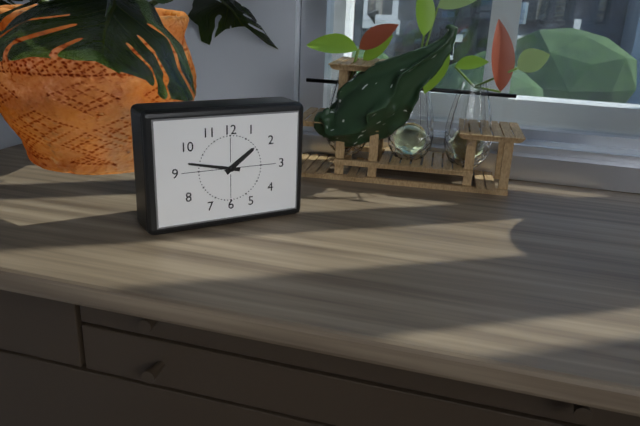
1:47
